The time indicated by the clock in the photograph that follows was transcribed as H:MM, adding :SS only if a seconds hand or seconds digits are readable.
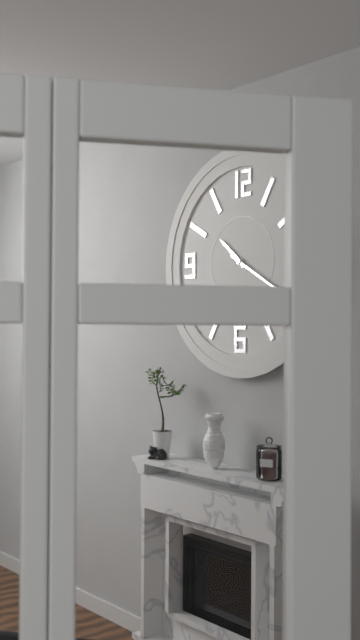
10:20
